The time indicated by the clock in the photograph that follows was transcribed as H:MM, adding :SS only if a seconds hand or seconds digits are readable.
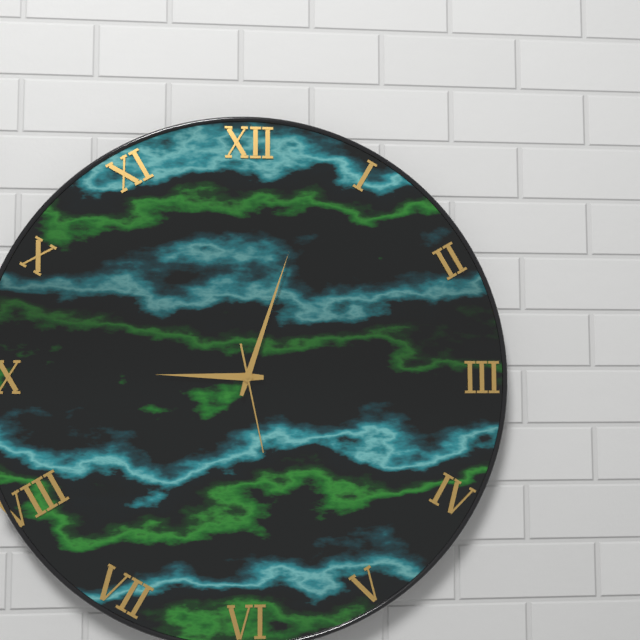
9:03:28
